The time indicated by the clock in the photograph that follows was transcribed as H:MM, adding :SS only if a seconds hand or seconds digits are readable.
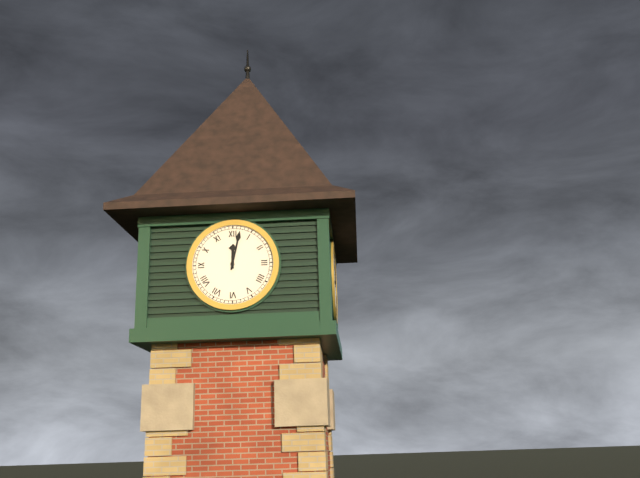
12:02
